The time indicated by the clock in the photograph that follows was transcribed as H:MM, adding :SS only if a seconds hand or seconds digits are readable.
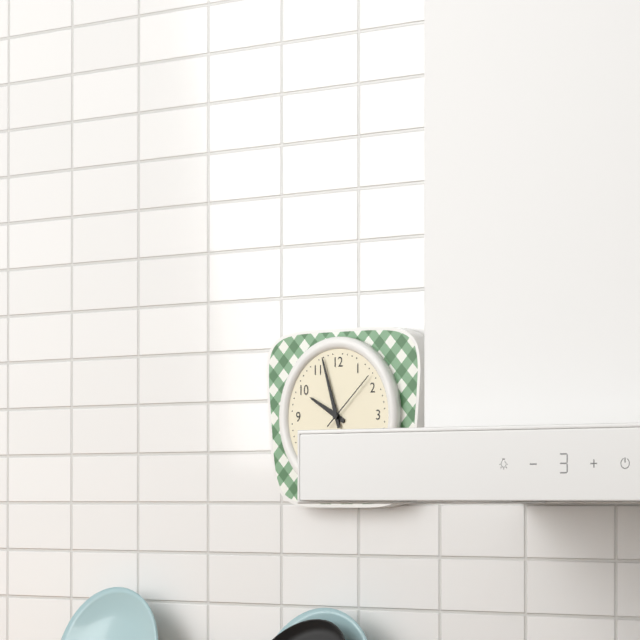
9:57:08
